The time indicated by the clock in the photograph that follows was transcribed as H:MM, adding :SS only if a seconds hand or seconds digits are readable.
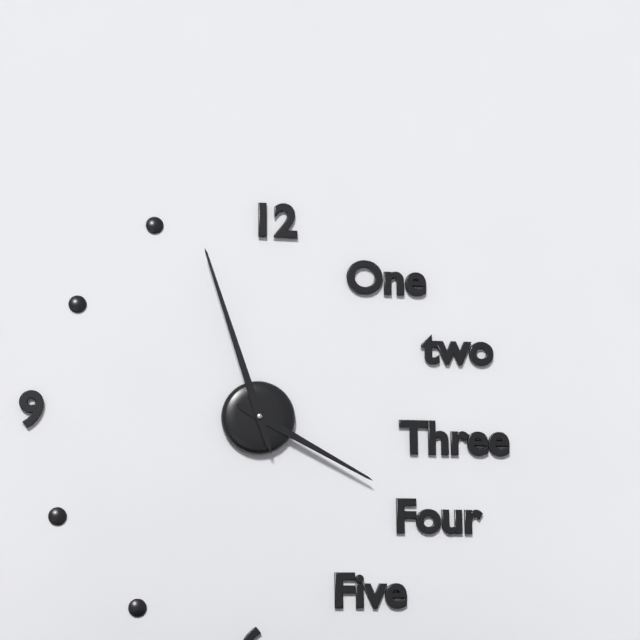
3:57
